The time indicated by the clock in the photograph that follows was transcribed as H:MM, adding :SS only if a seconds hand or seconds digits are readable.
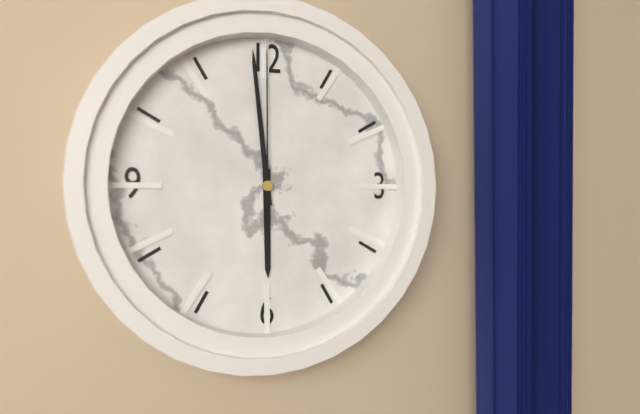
5:59:00
